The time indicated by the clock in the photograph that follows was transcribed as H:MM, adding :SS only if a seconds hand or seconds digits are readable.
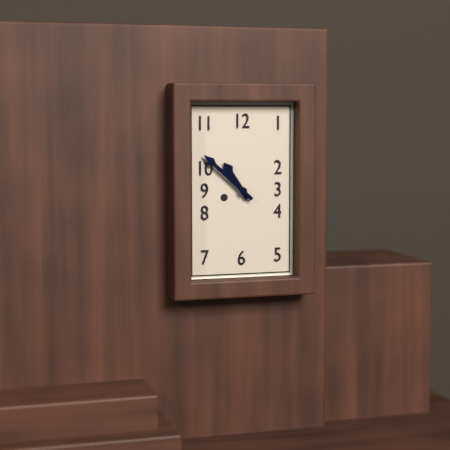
10:52
